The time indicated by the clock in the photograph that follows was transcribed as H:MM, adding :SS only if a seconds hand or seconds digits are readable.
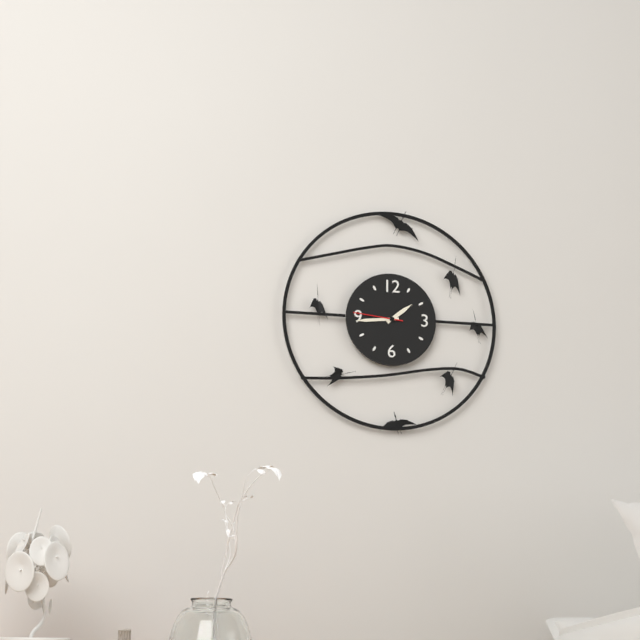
1:44
